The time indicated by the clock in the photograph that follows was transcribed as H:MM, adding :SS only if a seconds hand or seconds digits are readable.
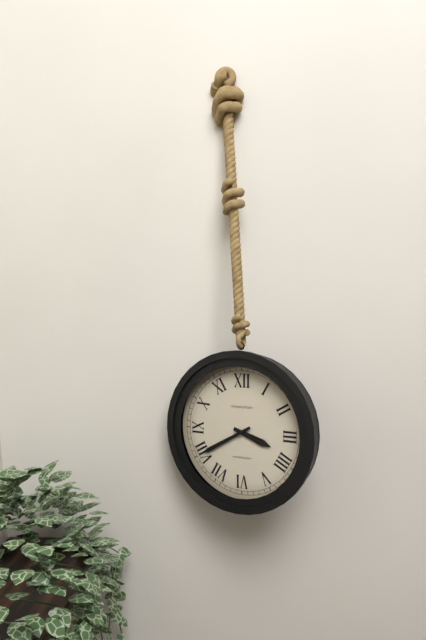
3:40
